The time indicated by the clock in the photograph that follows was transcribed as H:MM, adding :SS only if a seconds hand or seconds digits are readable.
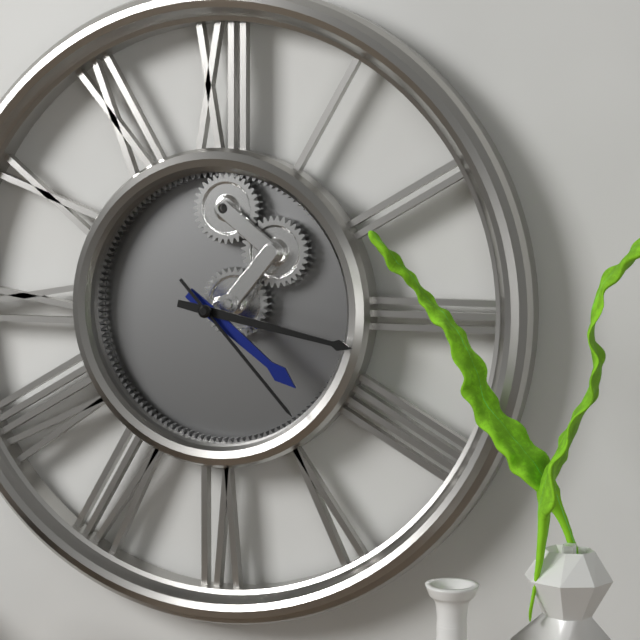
4:17:23
